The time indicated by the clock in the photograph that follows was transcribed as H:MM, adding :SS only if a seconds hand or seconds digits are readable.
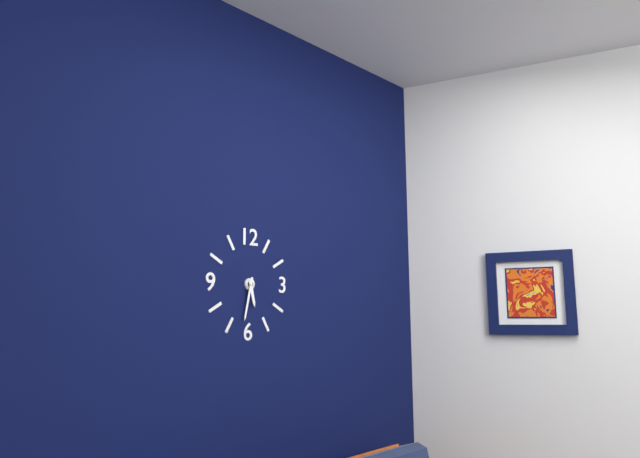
5:32
